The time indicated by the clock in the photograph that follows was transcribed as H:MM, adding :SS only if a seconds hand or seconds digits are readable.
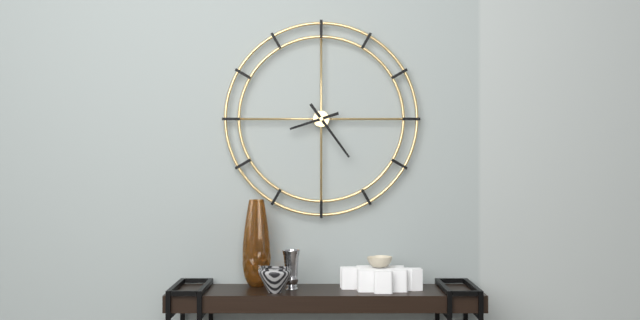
8:24
